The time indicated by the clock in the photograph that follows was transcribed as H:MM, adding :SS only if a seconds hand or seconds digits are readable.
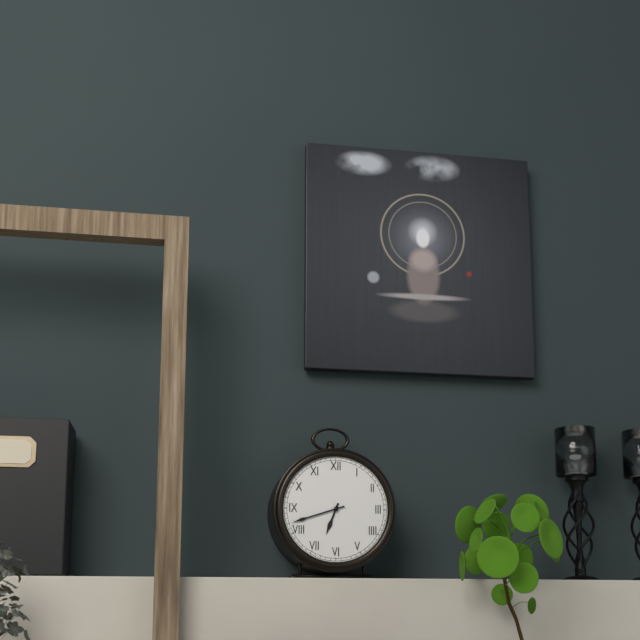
6:42
